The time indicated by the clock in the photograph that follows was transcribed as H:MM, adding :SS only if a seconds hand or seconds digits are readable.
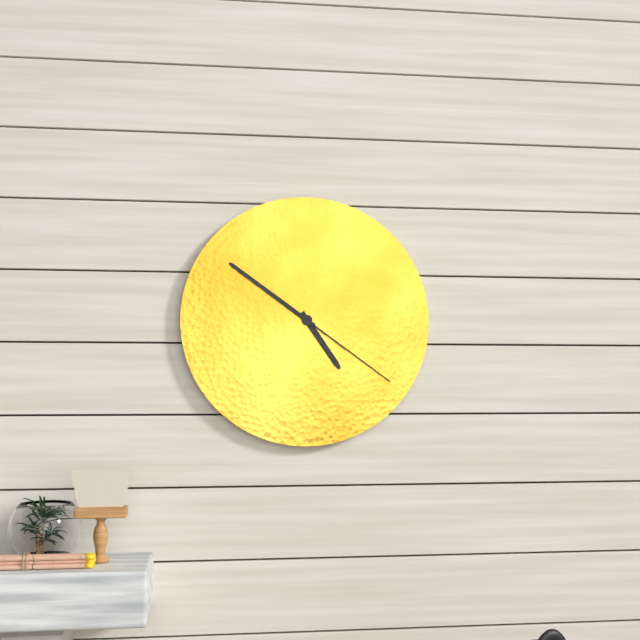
4:51:21
